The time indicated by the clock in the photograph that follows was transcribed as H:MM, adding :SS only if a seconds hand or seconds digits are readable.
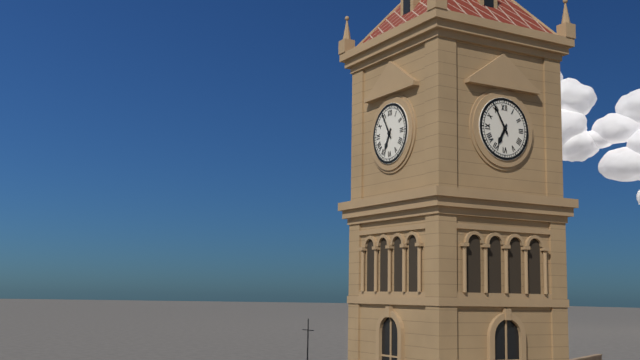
6:55
